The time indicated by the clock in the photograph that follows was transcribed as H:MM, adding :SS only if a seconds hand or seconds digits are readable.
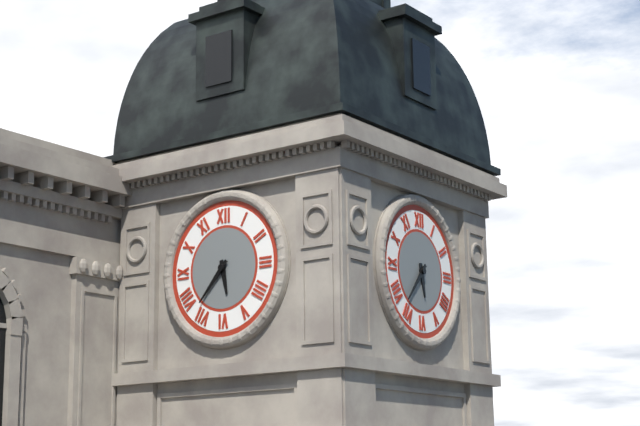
5:37
